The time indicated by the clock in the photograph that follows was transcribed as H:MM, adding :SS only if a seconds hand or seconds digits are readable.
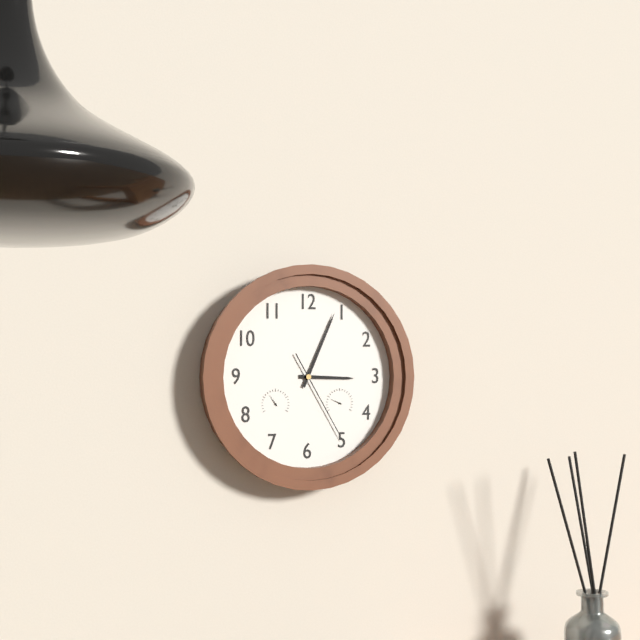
3:04:25
